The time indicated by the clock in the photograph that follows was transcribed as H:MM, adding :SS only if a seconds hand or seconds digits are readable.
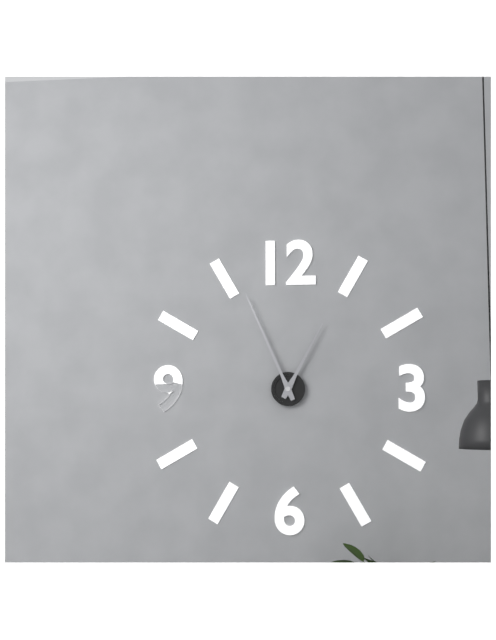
12:56
